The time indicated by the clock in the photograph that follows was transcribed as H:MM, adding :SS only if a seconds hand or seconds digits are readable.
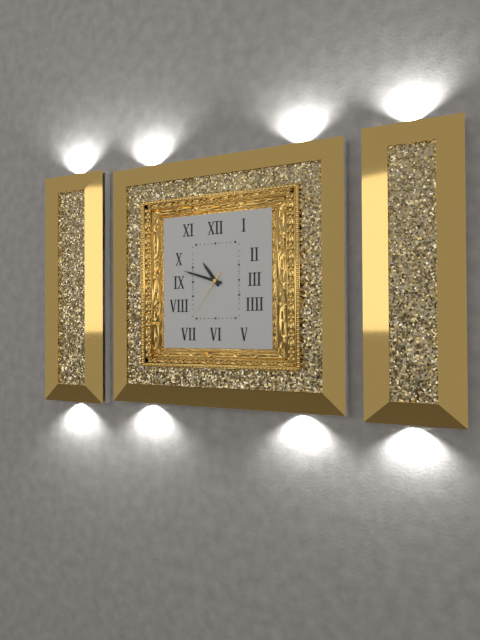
10:48
